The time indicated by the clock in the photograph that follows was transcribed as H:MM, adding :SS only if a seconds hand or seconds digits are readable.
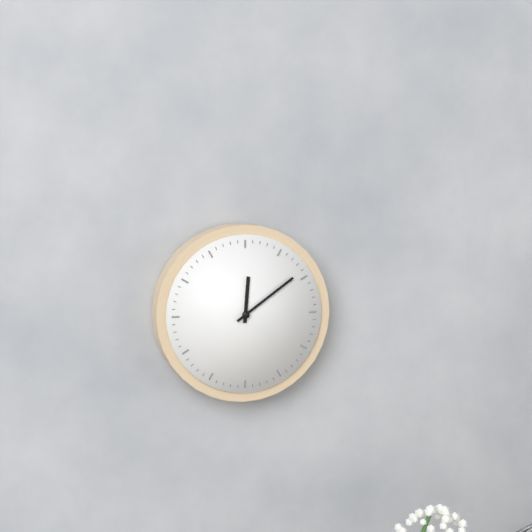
12:09
